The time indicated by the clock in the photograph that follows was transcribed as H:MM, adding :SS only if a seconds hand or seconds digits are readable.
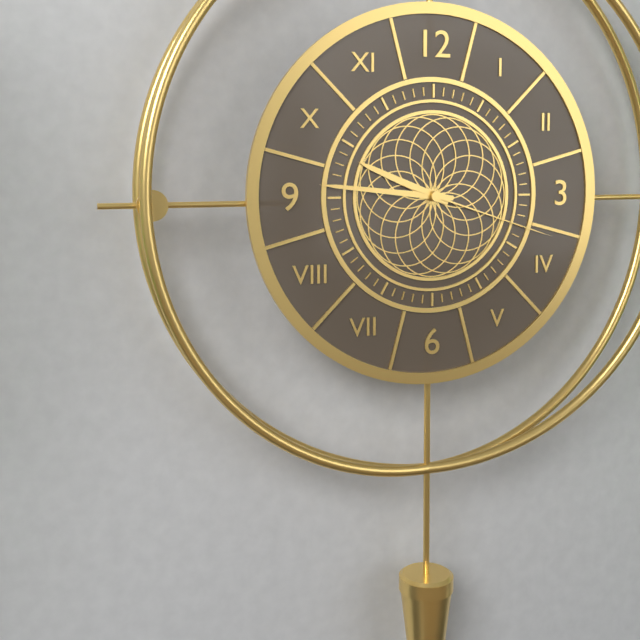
9:46:18
